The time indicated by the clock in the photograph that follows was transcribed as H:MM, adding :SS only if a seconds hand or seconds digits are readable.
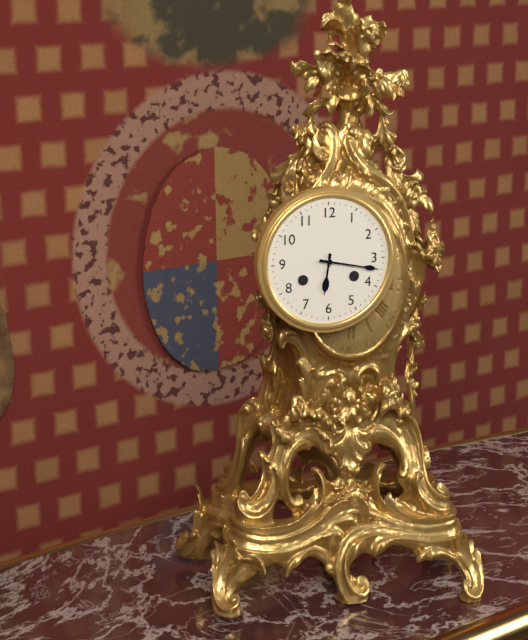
6:17
